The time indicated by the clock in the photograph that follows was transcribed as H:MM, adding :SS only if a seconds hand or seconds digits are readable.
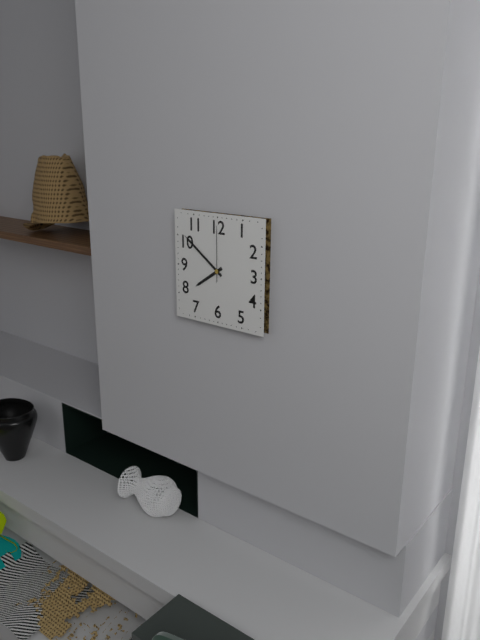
7:51:00
